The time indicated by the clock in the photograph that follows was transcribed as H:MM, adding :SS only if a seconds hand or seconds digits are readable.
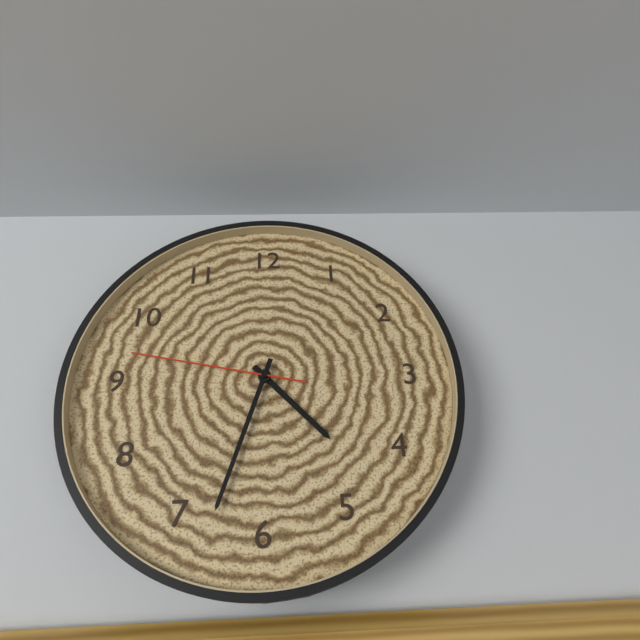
4:33:47
